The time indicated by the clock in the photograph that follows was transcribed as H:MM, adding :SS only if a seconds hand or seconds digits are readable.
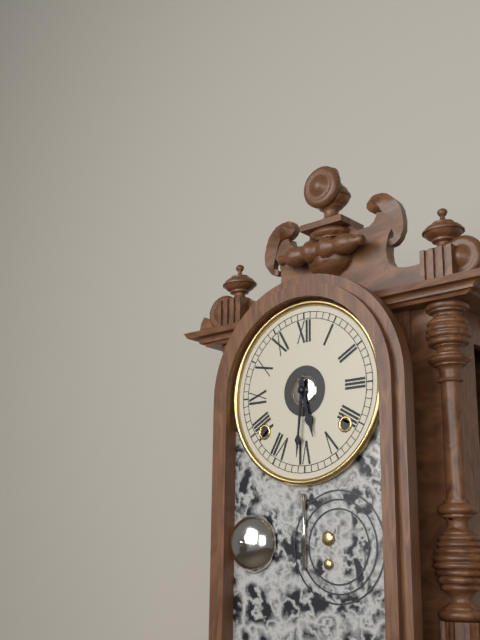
5:31
